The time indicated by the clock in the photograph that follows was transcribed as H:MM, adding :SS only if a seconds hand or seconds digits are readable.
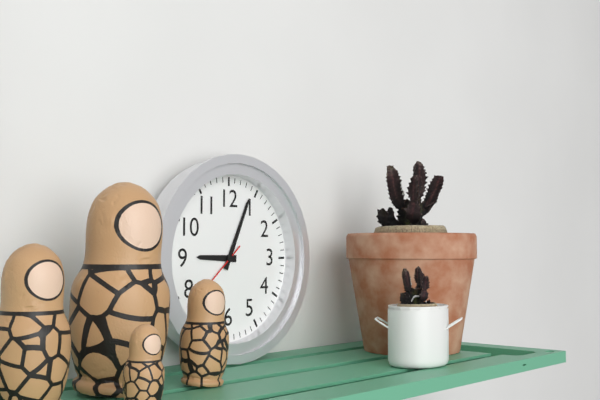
9:04
